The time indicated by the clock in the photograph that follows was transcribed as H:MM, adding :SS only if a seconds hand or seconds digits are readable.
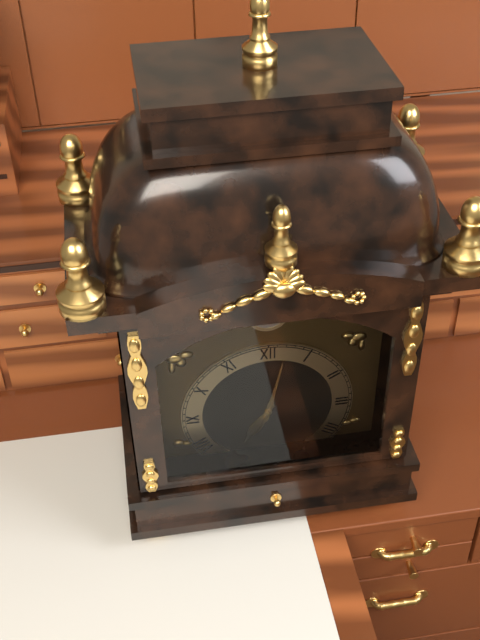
7:02
